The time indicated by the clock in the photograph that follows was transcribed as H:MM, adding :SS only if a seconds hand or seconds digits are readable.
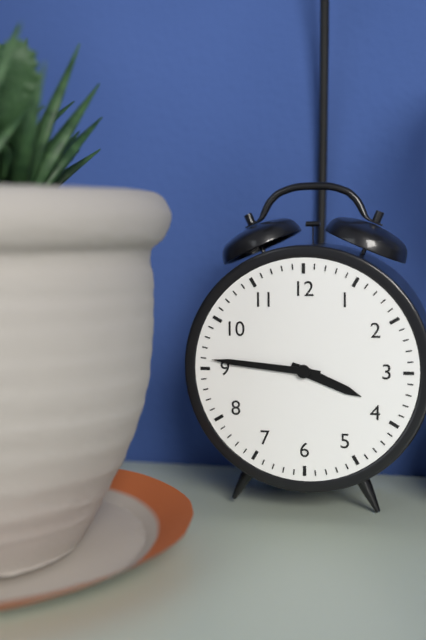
3:46
